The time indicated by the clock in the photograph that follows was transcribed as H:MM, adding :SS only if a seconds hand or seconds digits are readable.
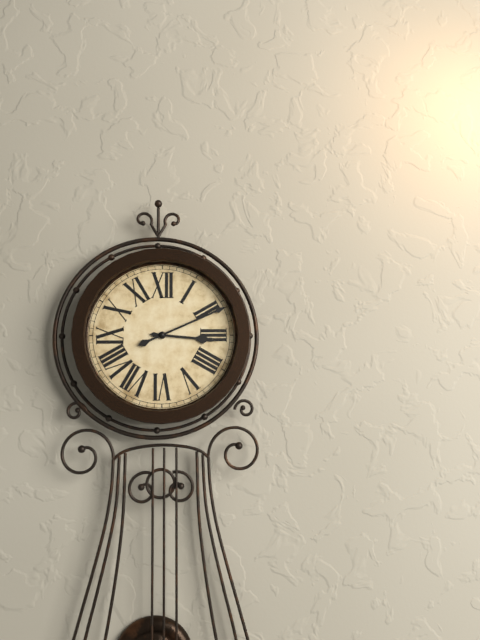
3:11
